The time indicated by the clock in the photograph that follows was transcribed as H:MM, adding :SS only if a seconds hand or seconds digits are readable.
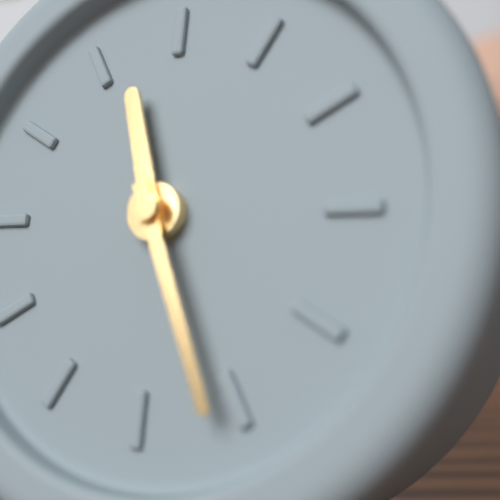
11:26
